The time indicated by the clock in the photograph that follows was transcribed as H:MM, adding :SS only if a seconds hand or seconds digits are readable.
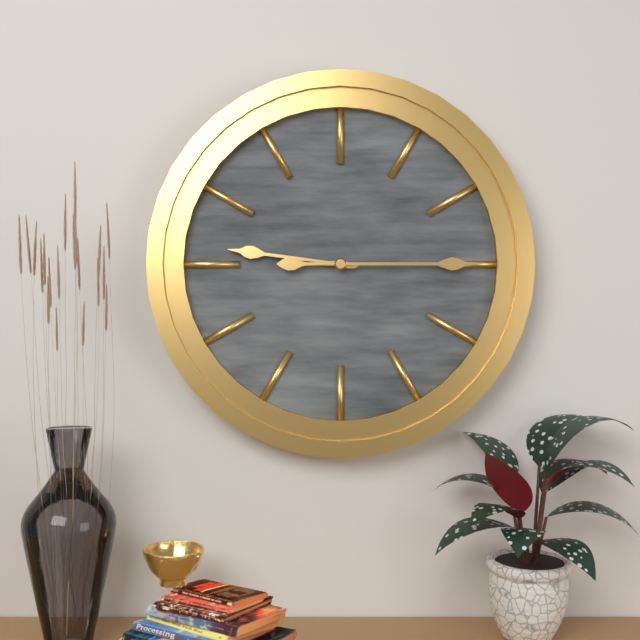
9:15
